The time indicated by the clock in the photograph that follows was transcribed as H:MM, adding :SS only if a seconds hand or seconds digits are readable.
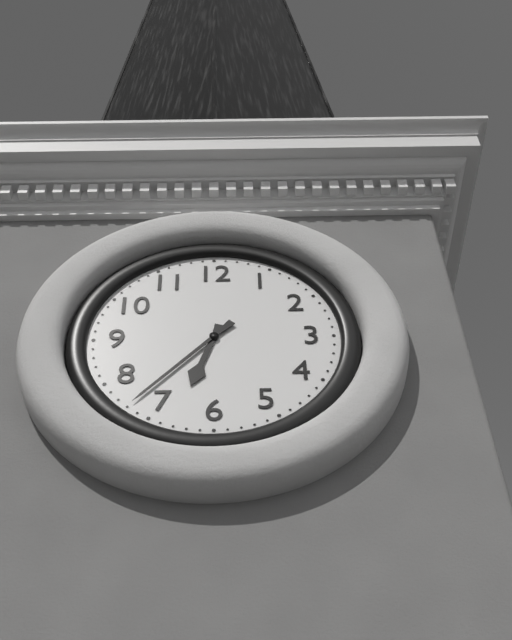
6:37
